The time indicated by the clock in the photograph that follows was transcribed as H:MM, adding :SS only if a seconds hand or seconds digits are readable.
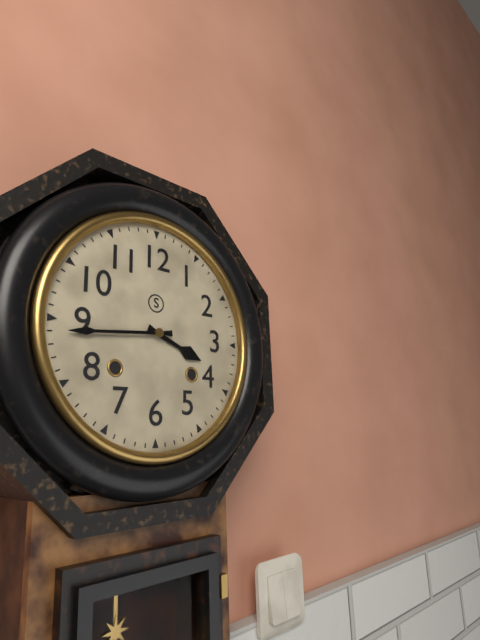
3:44
